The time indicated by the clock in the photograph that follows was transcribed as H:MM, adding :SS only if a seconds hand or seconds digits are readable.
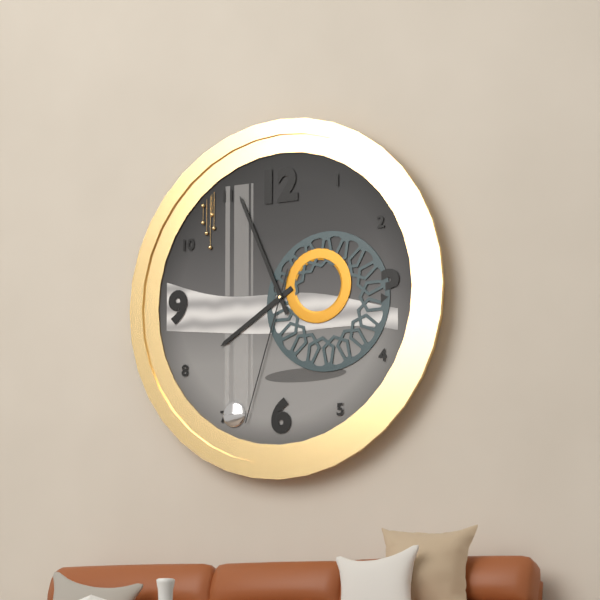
7:56:33
